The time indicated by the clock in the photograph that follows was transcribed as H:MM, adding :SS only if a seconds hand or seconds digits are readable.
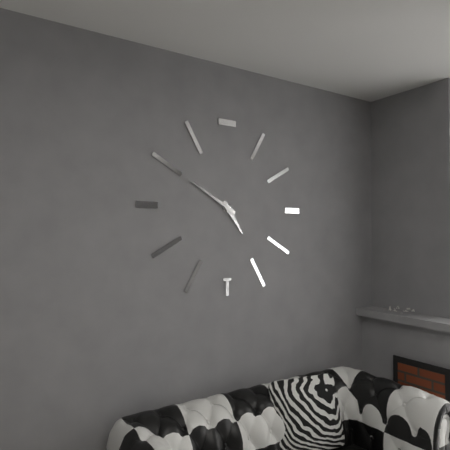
4:50
